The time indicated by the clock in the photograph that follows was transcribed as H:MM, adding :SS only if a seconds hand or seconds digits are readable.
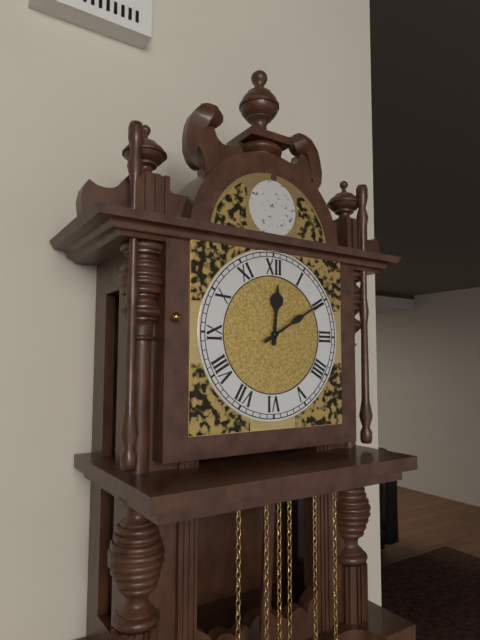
12:10
